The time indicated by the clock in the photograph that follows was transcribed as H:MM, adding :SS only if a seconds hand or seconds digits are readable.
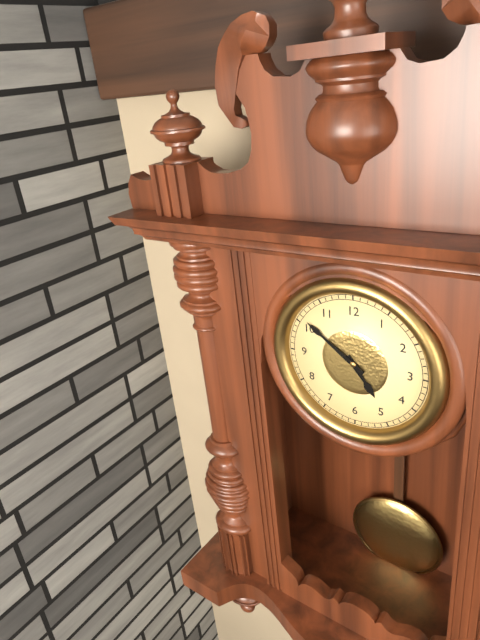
4:51
